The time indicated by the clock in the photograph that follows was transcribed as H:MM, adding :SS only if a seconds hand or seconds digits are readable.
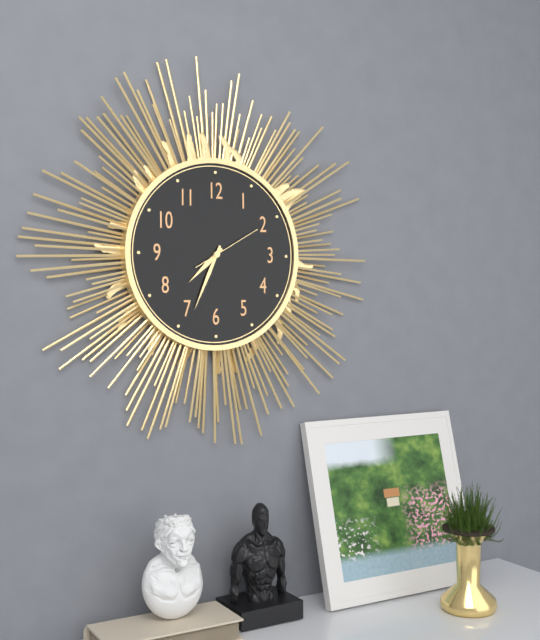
7:34:10
